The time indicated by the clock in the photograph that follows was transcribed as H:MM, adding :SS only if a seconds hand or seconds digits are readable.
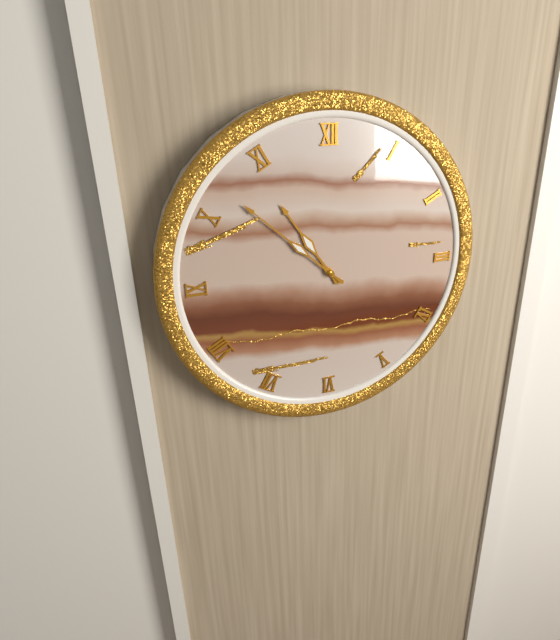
10:52
